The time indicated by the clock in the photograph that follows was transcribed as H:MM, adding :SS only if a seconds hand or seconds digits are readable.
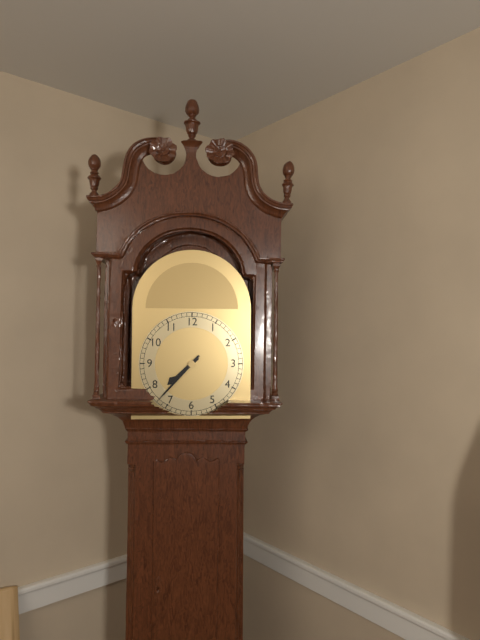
7:37
